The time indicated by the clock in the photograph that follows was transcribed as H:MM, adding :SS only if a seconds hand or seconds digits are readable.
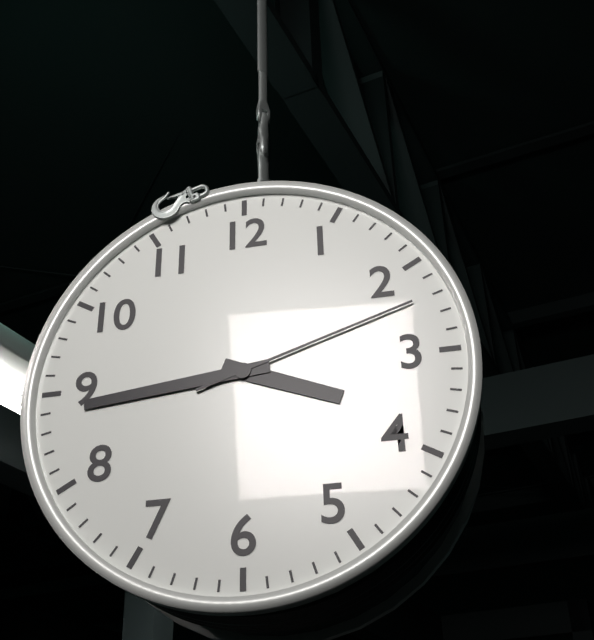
3:44:12
